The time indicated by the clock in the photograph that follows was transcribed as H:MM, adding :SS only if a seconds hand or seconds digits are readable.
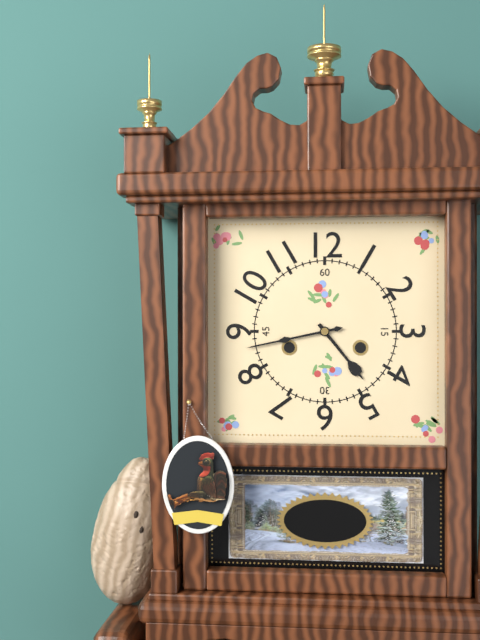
4:43
